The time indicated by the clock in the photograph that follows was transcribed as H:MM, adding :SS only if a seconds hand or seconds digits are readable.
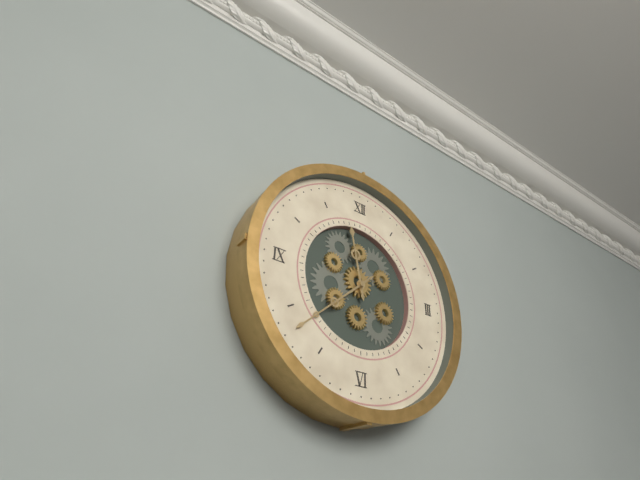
11:38
